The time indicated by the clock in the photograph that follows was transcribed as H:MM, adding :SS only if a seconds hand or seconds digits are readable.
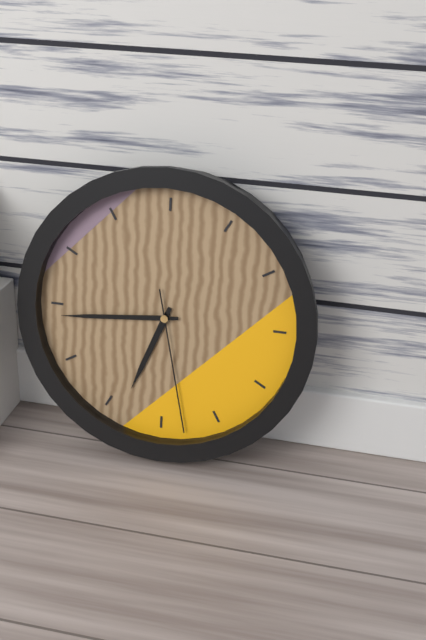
6:44:28
